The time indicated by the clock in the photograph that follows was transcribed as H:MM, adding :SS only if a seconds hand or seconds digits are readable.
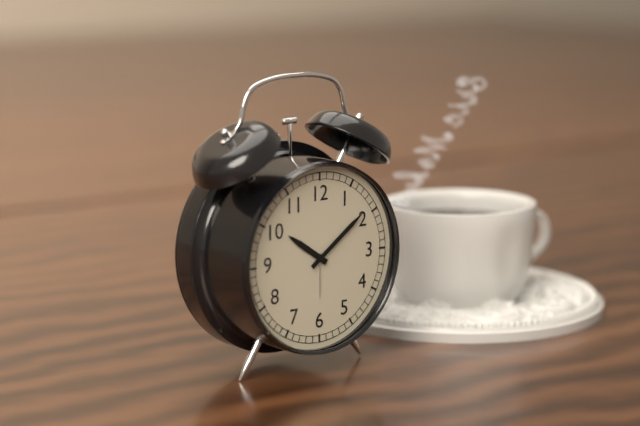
10:09
